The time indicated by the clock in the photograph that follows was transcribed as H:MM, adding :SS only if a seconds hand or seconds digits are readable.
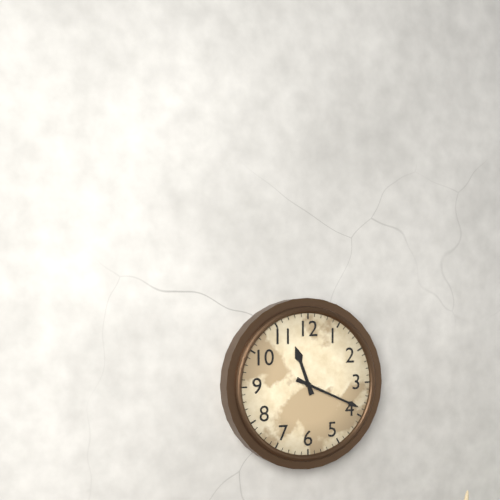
11:19
